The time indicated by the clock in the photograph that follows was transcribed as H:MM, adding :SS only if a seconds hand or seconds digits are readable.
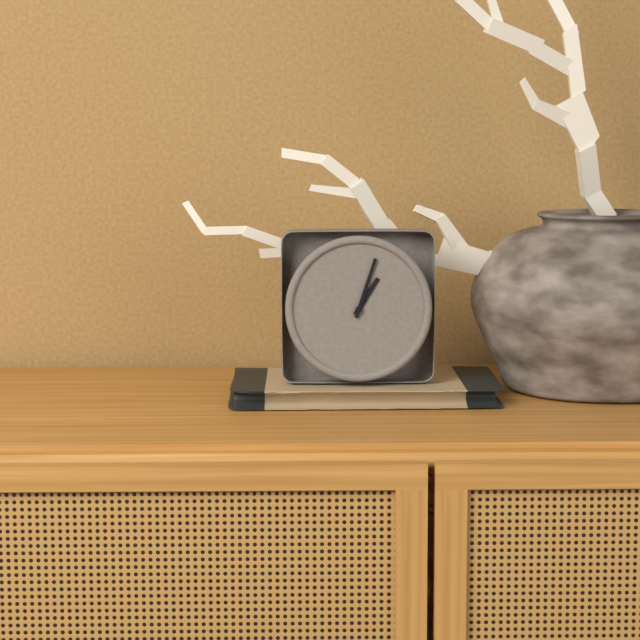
1:03
